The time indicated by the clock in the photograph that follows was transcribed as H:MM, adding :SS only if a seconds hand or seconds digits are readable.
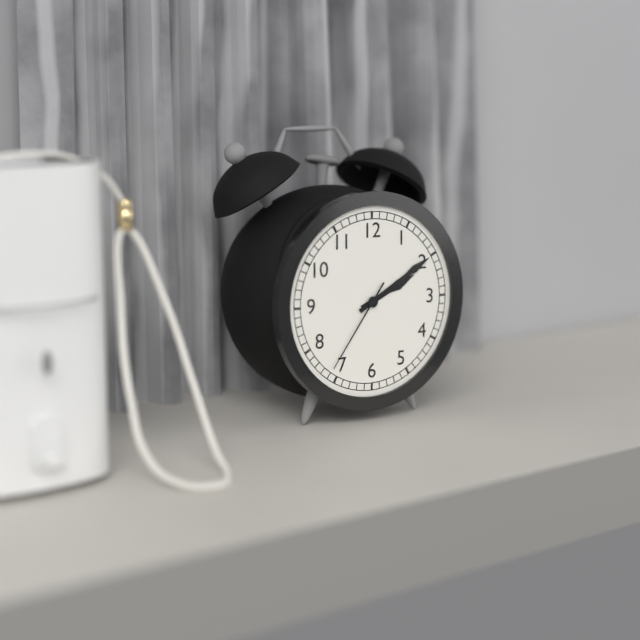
2:10:36
